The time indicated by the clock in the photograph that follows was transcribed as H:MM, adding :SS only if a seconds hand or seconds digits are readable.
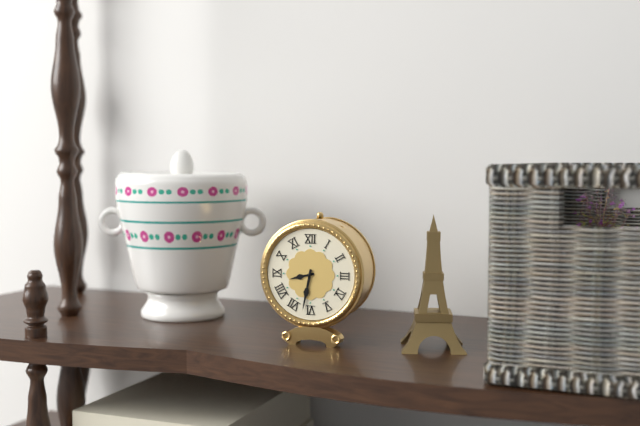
8:32
